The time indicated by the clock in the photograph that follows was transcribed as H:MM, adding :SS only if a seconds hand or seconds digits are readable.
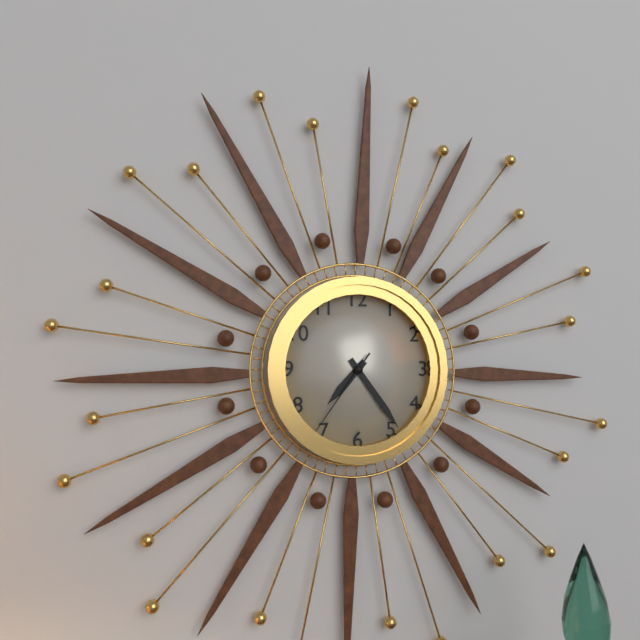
7:24:36
